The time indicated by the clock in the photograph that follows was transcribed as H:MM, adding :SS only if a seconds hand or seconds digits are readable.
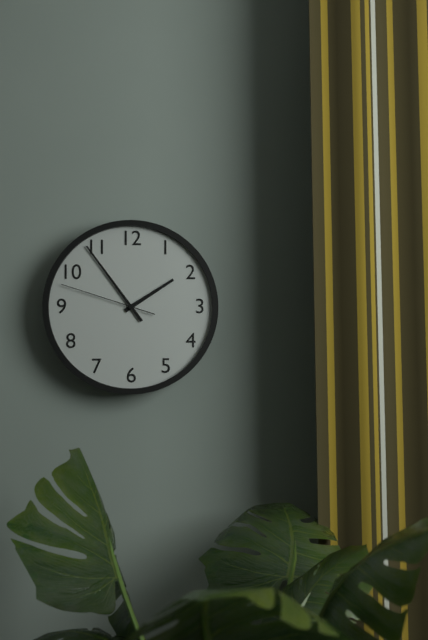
1:54:48
